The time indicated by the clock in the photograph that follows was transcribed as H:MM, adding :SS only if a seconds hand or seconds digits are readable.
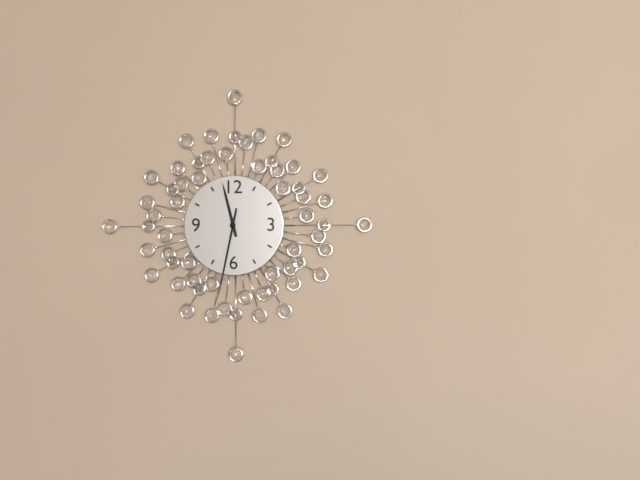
11:32
